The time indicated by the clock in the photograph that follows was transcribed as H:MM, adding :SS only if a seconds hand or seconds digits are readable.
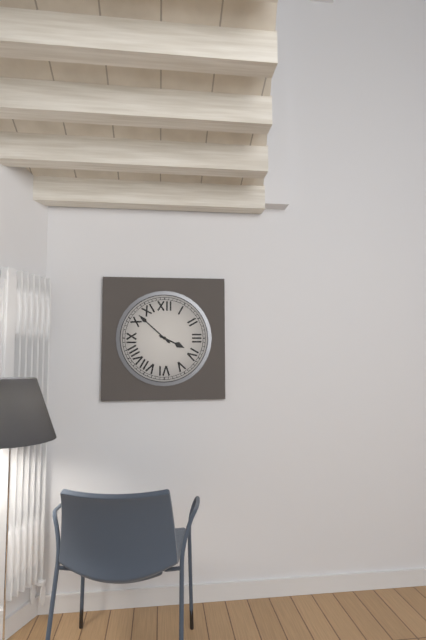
3:52
